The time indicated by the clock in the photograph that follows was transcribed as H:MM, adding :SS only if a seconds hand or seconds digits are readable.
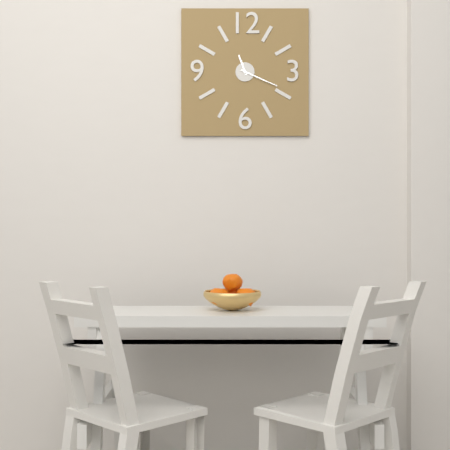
11:19
